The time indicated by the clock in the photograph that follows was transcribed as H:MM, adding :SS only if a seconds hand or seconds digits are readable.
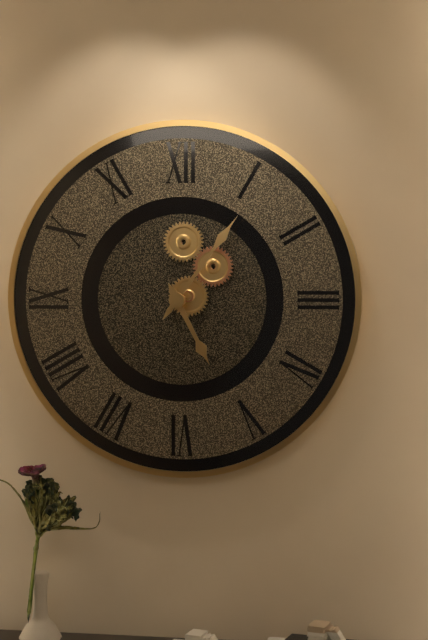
5:06
